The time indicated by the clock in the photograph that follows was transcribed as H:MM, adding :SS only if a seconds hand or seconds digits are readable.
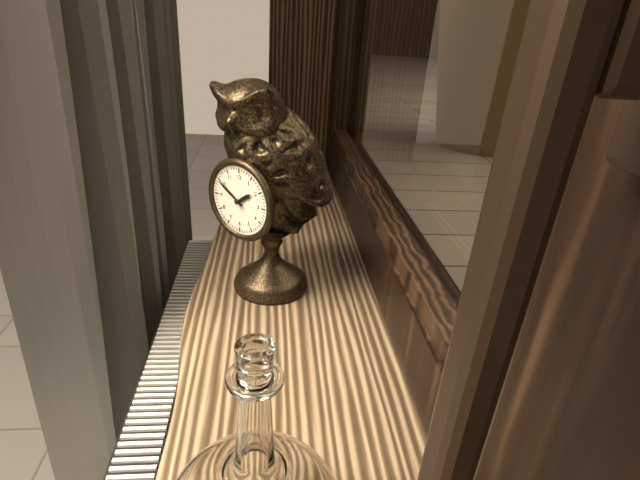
1:50
